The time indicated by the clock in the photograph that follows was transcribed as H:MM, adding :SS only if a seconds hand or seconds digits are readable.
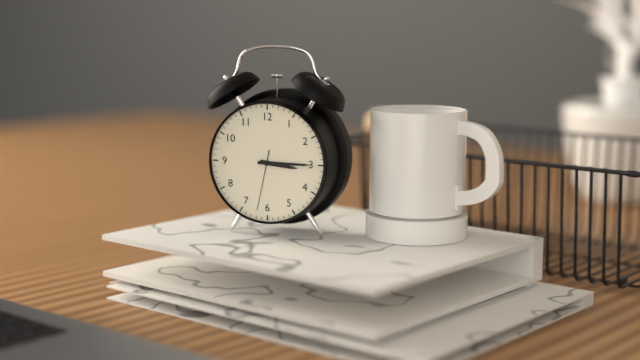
3:15:32
